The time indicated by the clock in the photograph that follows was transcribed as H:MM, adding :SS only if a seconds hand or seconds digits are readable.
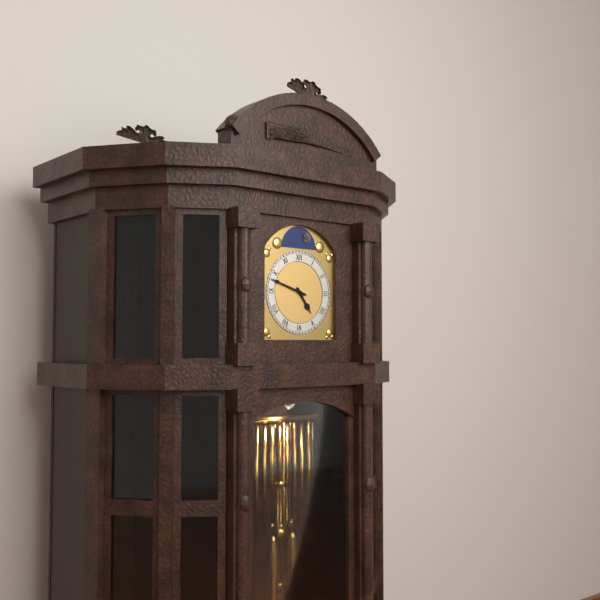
4:48
